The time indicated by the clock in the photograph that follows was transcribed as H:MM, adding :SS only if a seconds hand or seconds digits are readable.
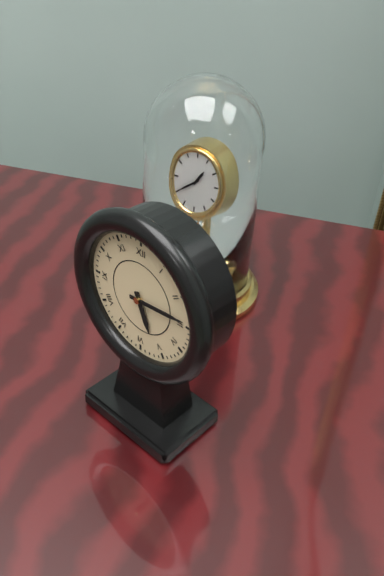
5:14
